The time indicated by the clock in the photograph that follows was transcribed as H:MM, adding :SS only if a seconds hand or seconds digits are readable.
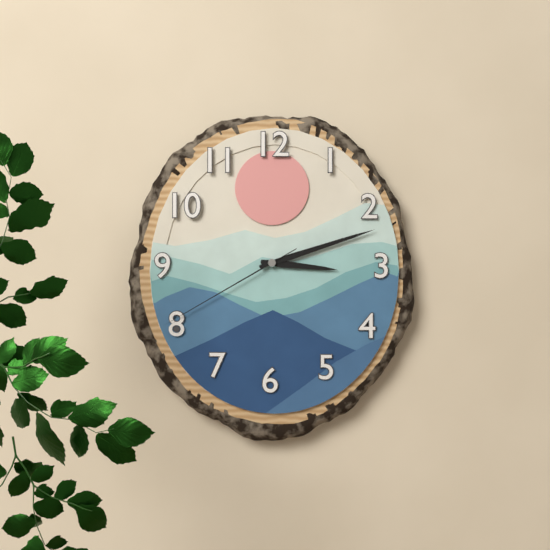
3:12:40
